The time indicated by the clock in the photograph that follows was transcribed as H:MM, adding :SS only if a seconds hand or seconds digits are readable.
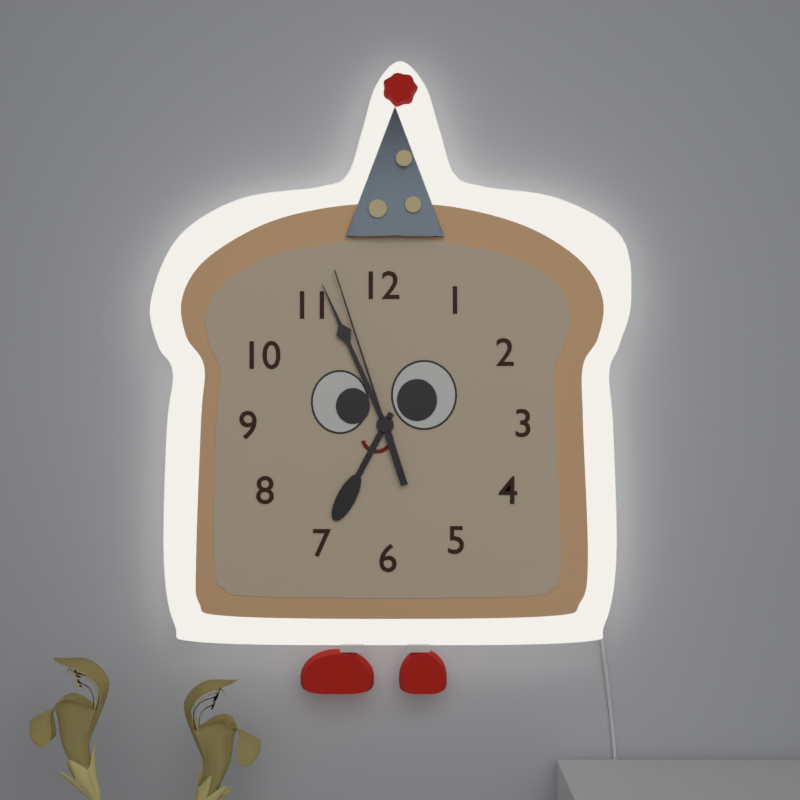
6:56:57
